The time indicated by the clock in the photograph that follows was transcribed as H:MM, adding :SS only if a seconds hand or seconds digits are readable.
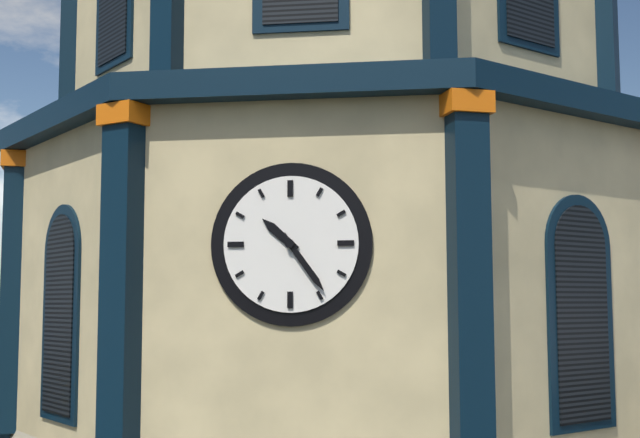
10:24
